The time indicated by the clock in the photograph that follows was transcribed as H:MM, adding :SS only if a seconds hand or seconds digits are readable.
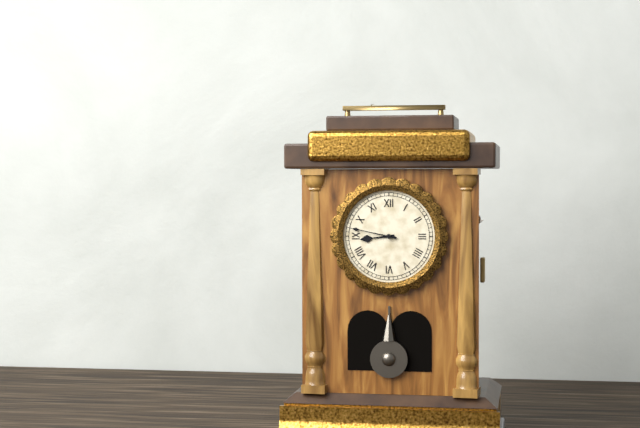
8:47
